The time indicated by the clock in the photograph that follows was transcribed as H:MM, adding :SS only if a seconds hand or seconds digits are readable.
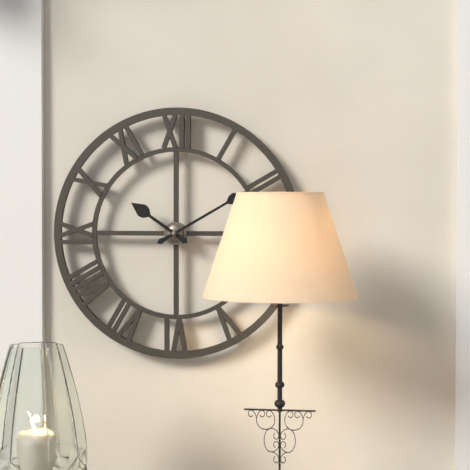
10:10
